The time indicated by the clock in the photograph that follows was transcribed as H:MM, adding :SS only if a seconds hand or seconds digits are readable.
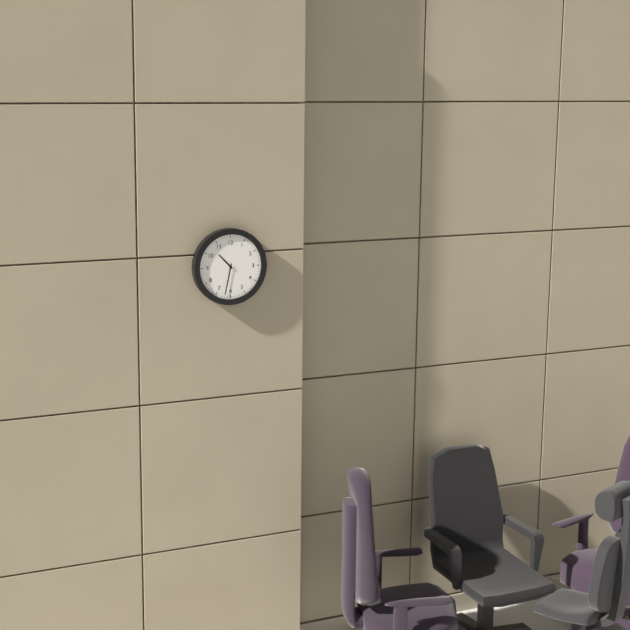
10:32
